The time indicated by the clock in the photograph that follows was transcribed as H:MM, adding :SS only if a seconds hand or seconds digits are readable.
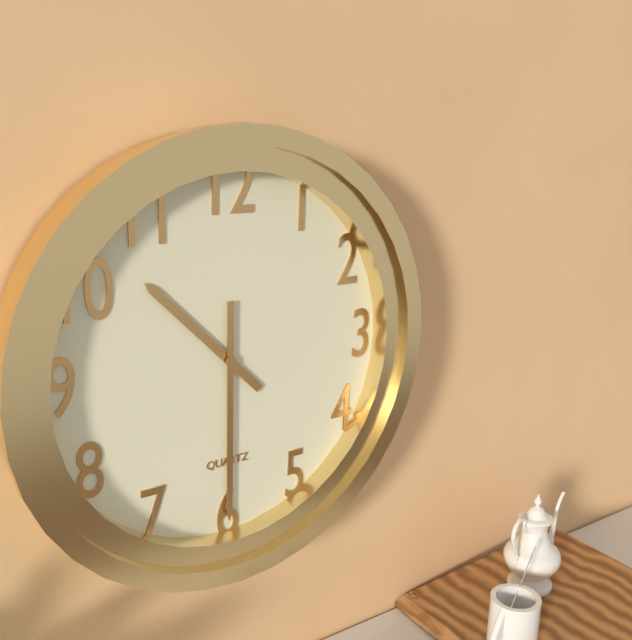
10:30
